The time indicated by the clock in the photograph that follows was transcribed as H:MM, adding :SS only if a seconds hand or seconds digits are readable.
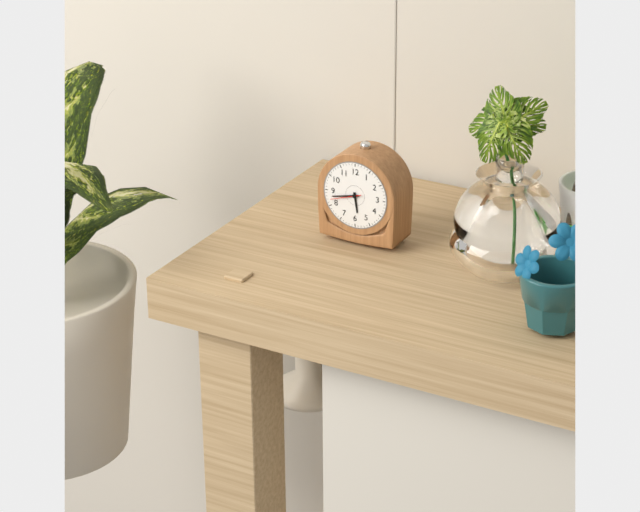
5:43
